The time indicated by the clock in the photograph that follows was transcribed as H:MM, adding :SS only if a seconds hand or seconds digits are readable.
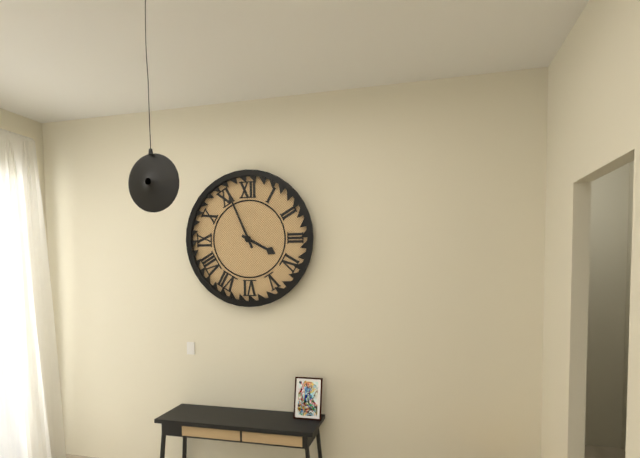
3:56
